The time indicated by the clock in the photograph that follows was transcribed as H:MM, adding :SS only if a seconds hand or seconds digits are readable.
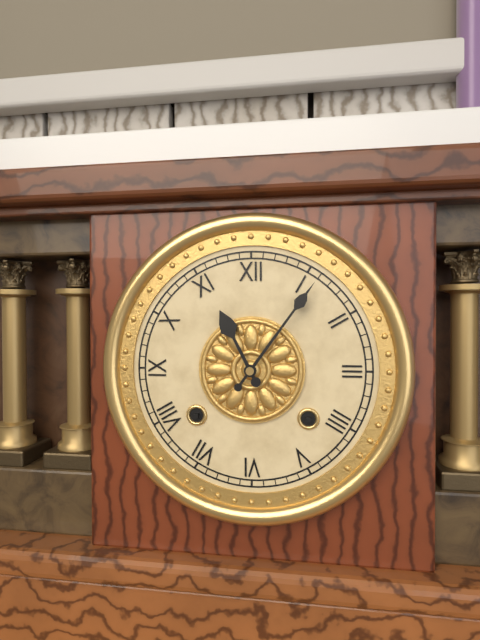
11:06
